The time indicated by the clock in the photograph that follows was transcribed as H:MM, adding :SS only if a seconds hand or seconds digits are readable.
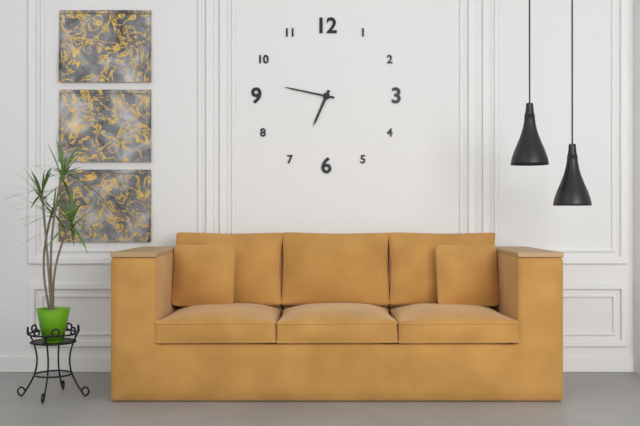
6:47
